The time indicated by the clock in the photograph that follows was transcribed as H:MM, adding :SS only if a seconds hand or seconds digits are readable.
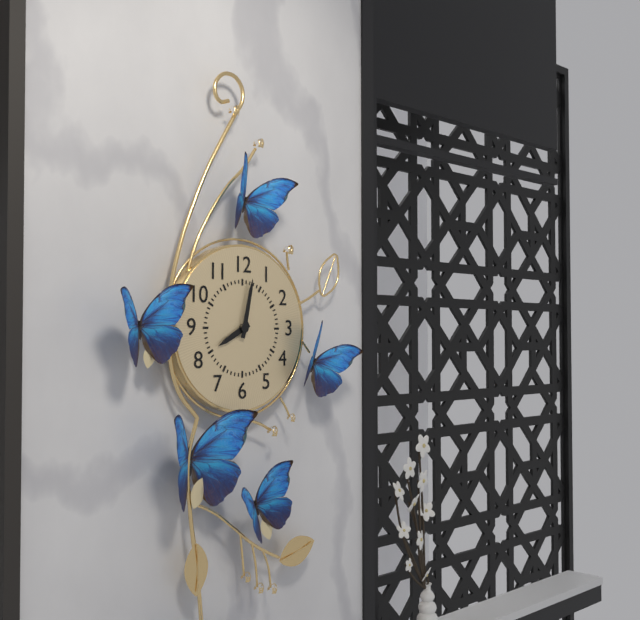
8:02
